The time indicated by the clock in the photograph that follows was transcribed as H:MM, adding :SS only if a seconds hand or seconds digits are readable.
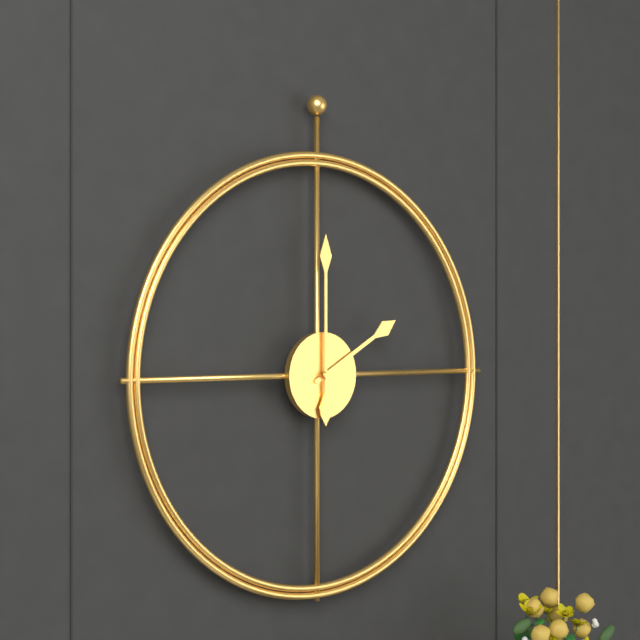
2:00
